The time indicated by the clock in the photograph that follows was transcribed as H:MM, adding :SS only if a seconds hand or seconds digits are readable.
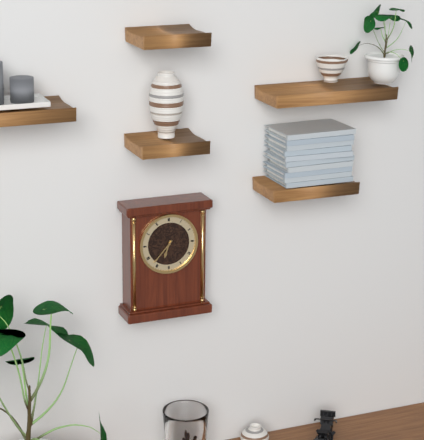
6:37
